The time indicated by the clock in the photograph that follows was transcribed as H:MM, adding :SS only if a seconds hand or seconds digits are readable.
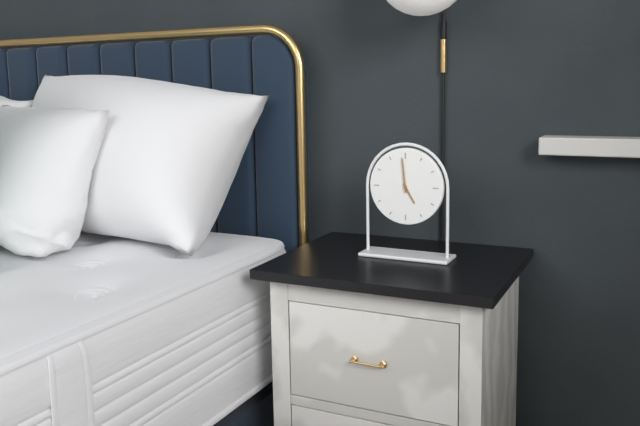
4:59
